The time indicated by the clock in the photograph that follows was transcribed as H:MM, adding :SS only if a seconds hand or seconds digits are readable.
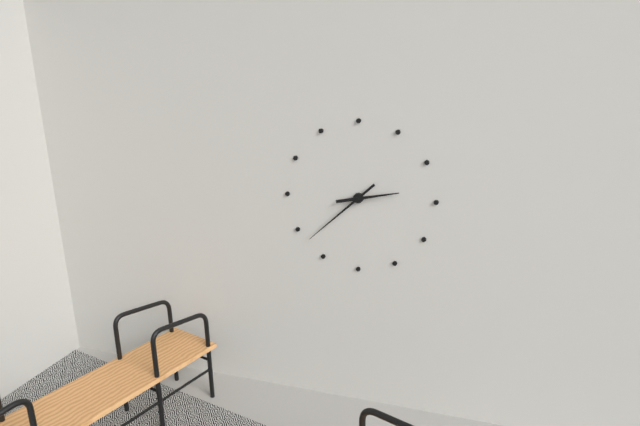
2:38
